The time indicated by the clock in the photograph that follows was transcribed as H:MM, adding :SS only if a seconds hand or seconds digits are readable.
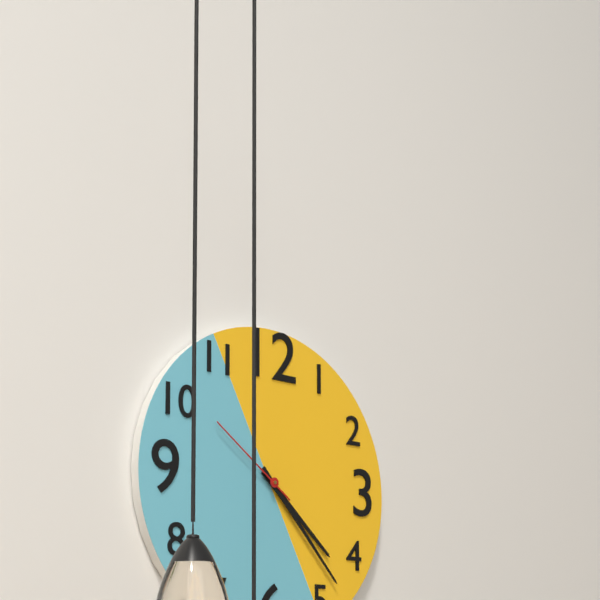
4:23:51
